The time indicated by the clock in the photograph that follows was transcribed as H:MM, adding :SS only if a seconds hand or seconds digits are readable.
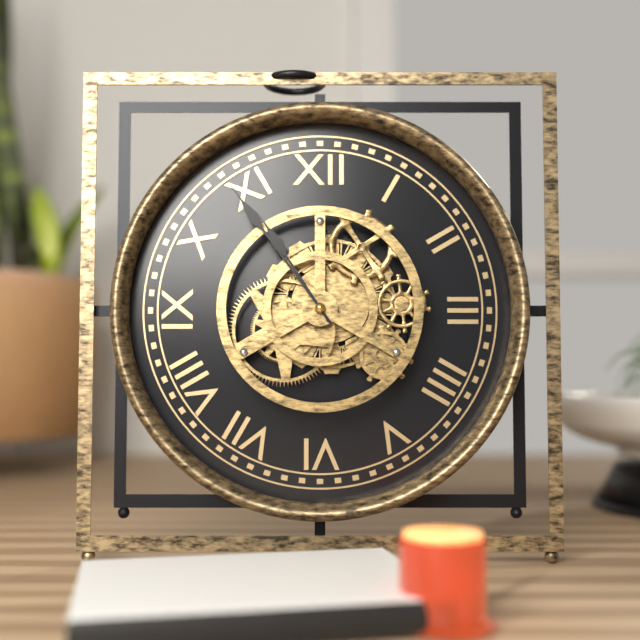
10:54
